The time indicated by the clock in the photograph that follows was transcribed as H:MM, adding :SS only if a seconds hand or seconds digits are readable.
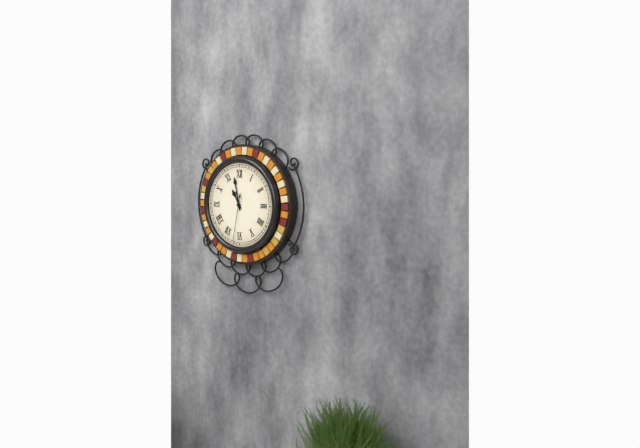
10:58:32
